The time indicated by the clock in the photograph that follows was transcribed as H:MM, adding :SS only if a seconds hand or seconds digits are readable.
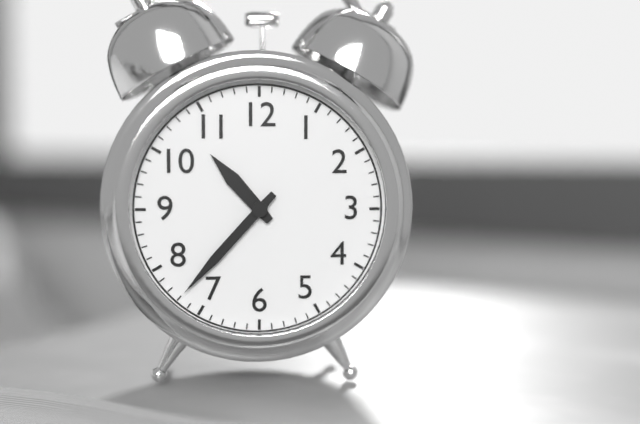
10:37
